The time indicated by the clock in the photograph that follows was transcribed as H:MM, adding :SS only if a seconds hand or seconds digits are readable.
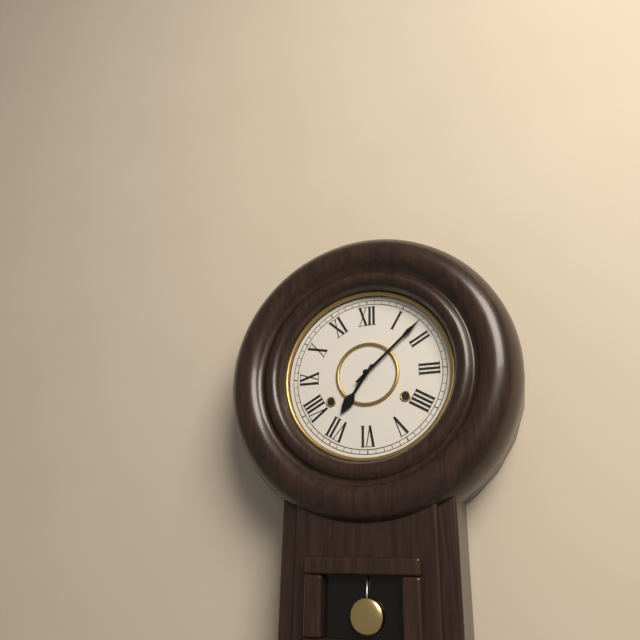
7:08
